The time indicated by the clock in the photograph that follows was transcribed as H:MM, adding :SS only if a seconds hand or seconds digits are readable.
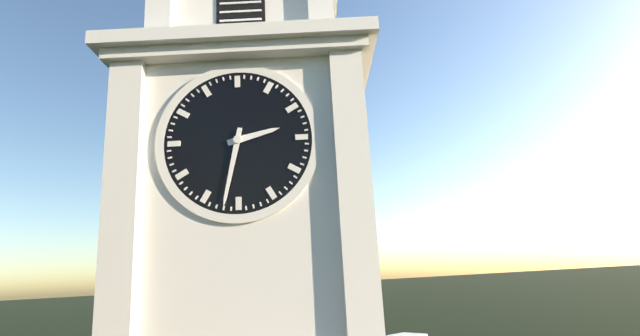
2:32
